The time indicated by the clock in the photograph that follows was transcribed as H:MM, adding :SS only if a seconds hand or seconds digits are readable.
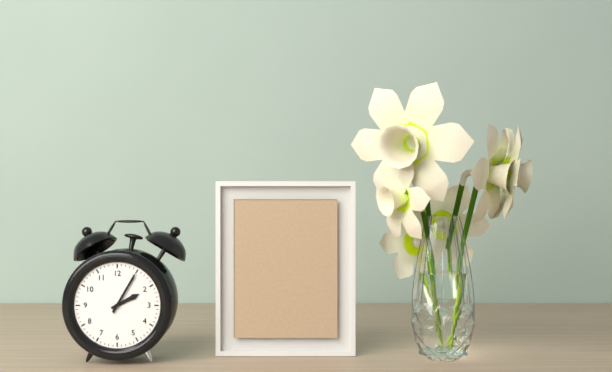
2:05
